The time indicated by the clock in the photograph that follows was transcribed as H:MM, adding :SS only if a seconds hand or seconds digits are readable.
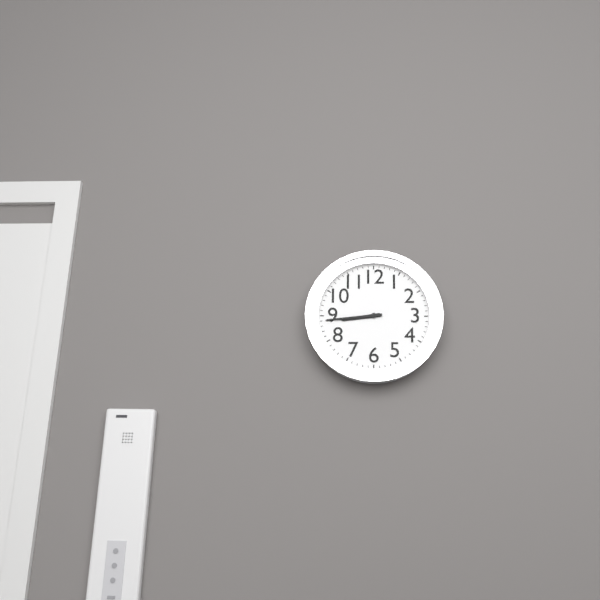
8:44
